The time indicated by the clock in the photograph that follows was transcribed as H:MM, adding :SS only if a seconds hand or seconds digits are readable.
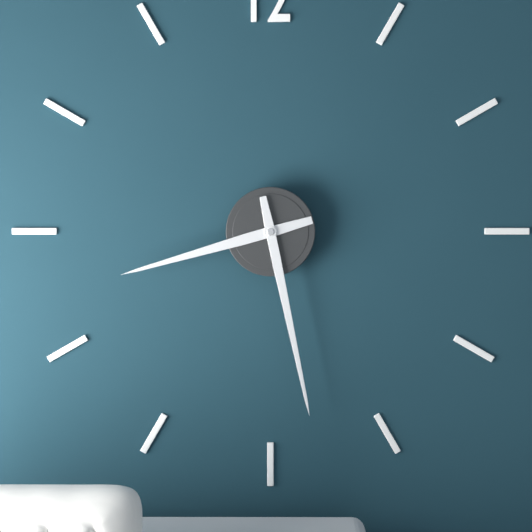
8:28
